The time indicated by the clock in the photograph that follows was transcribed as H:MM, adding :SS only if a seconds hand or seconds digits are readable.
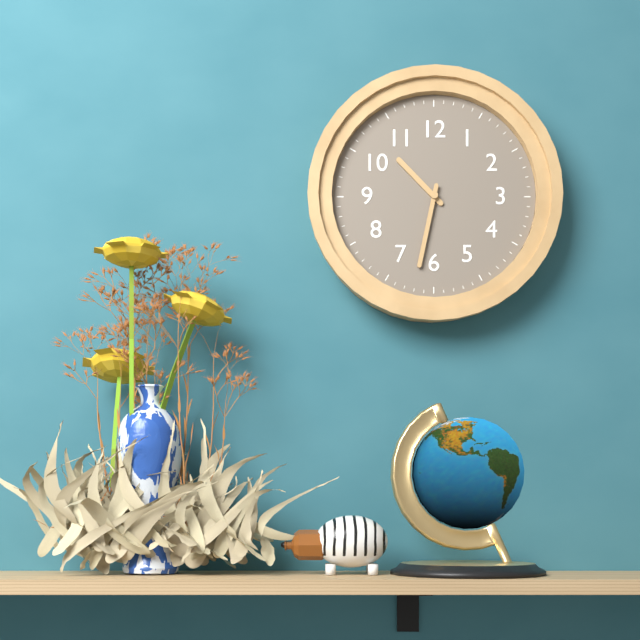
10:32
